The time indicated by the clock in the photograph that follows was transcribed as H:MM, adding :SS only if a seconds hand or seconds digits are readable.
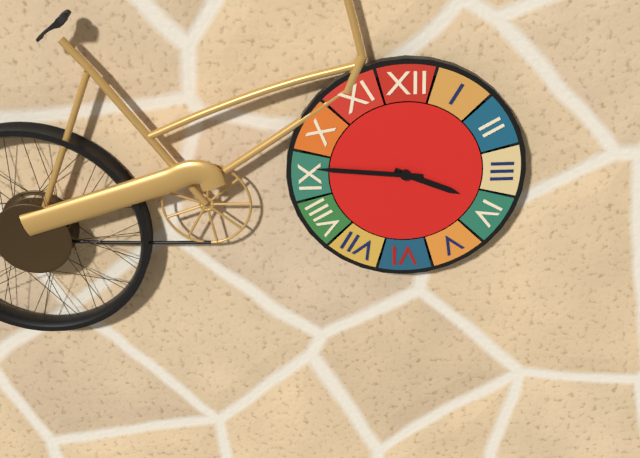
3:46
